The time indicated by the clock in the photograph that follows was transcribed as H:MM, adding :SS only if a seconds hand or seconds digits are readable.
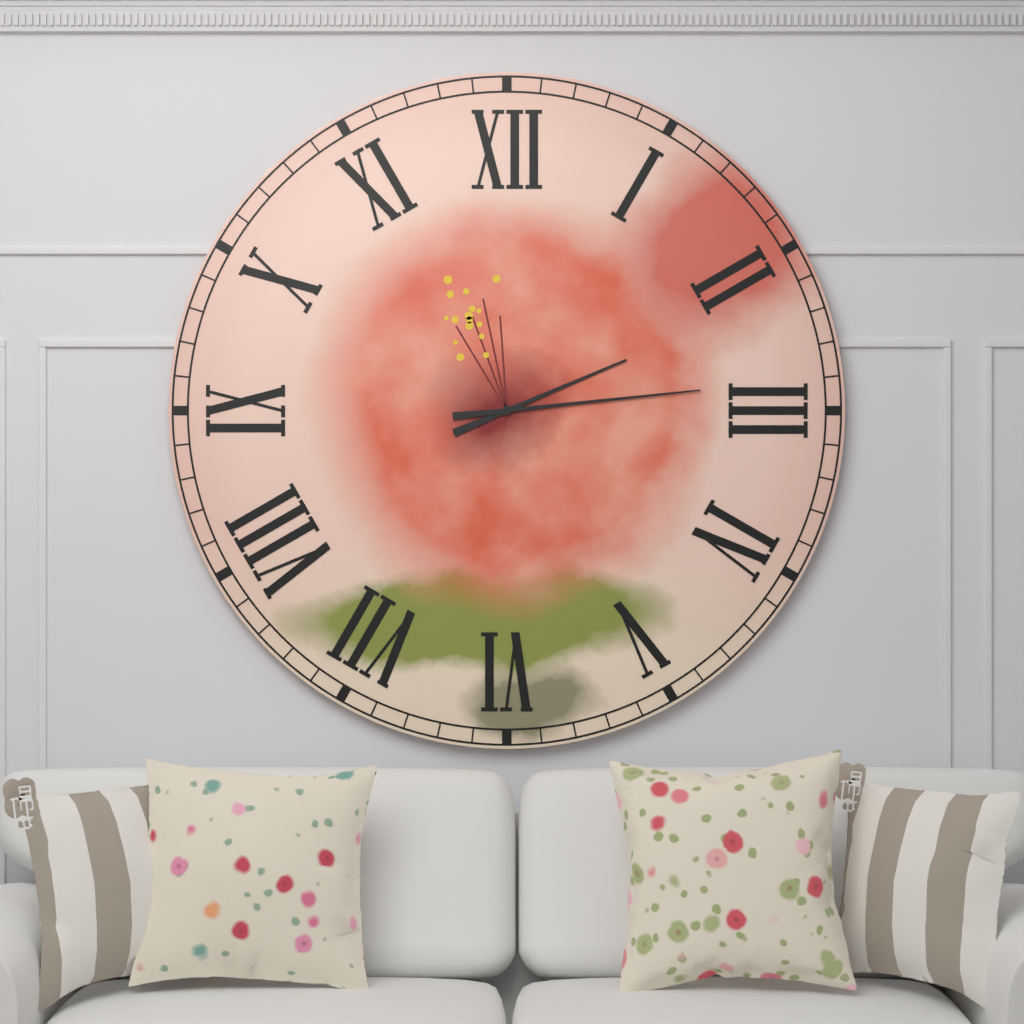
2:14
